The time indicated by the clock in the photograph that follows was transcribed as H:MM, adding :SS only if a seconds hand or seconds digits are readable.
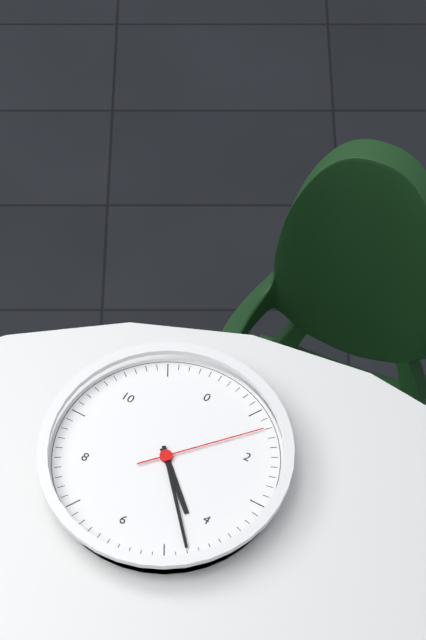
4:23:07
